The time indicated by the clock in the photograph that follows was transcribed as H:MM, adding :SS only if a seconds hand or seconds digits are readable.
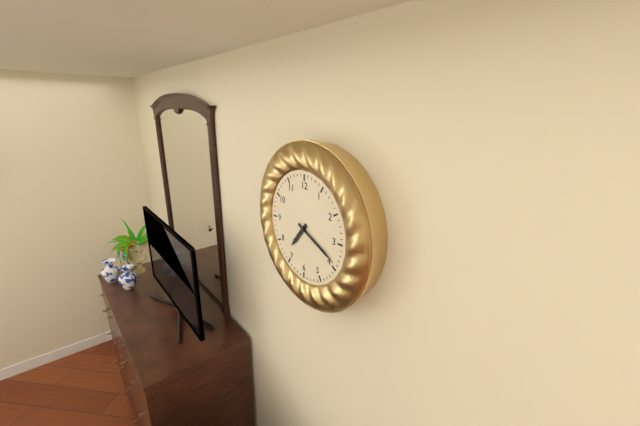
7:19
